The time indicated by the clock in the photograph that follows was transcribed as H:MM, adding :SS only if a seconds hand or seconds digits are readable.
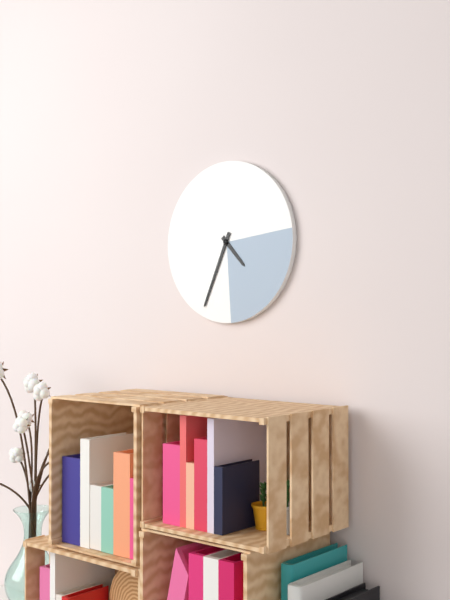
4:34
